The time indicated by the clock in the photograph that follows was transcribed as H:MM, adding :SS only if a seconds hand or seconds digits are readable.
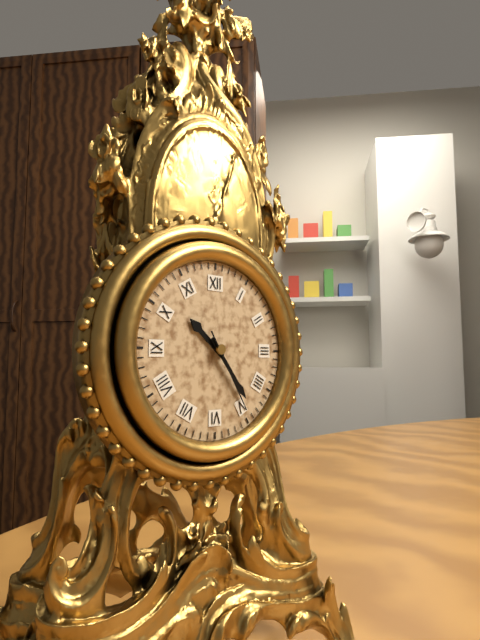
10:24:25
